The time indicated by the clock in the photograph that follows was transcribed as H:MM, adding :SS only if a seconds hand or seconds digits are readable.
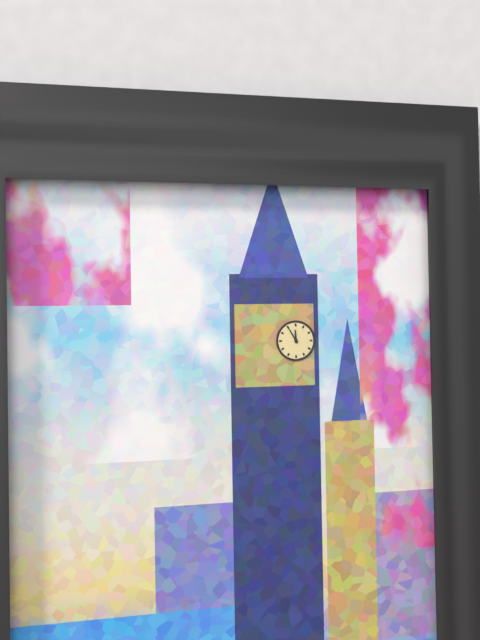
11:55
